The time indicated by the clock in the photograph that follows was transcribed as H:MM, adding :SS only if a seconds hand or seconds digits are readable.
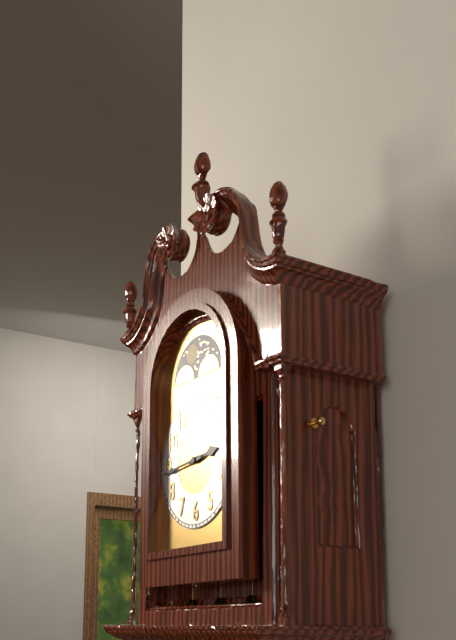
2:44
